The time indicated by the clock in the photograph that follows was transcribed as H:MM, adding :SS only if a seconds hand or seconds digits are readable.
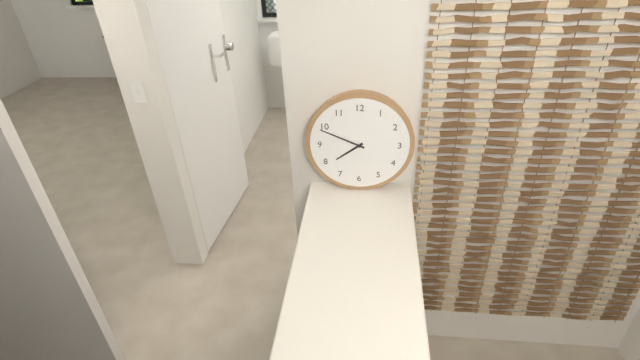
7:49
